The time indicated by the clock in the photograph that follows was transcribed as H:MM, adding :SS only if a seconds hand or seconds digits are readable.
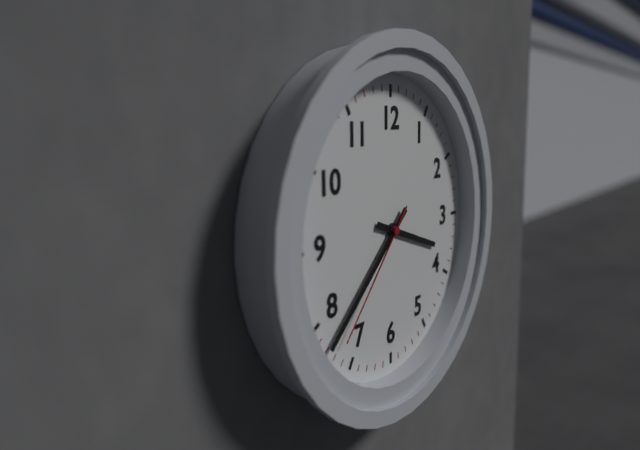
3:38:37
